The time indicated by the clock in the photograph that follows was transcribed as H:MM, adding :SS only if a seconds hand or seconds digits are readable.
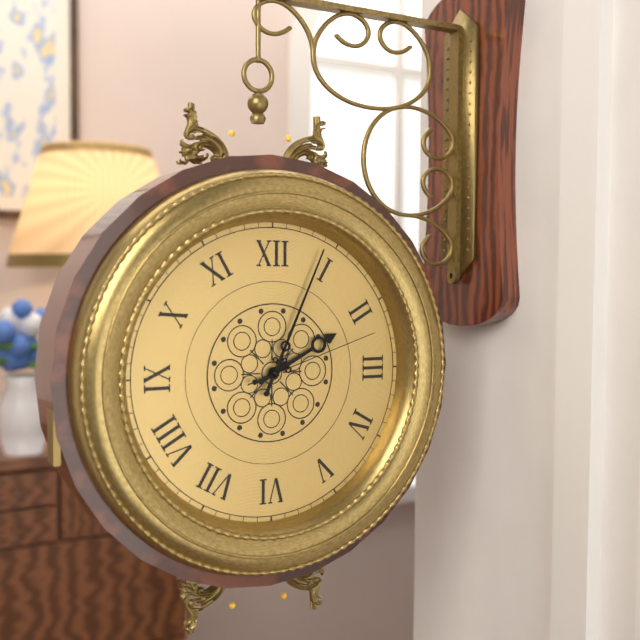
2:04:12
